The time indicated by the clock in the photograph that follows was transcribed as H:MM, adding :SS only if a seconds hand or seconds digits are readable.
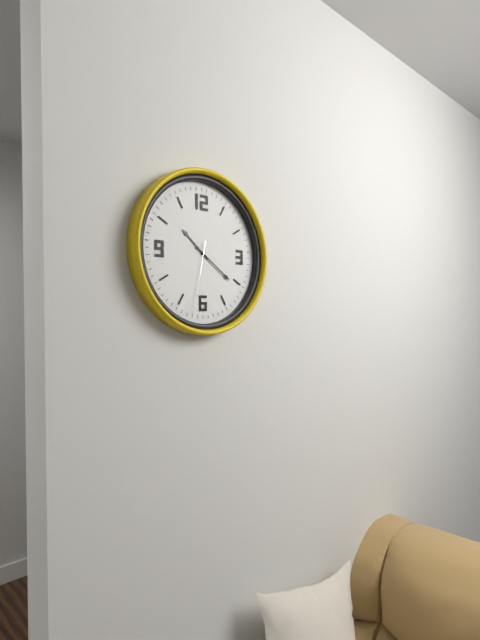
10:21:32
